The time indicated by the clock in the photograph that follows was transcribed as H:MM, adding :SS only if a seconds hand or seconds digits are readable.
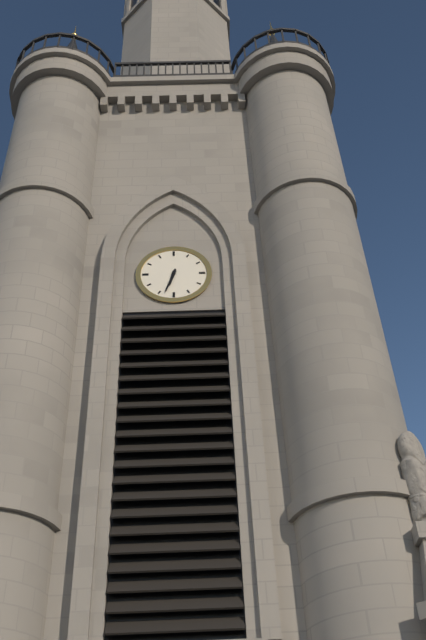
6:33
